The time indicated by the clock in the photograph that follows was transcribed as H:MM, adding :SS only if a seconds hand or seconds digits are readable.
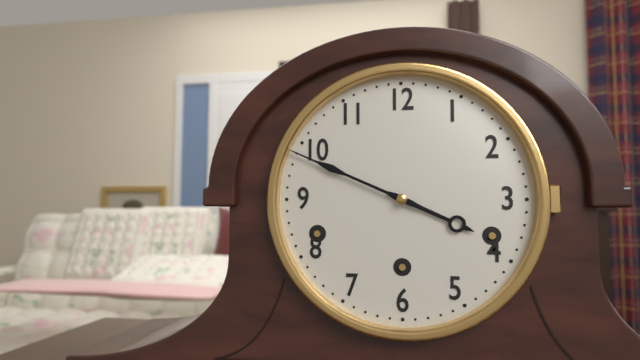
3:49
